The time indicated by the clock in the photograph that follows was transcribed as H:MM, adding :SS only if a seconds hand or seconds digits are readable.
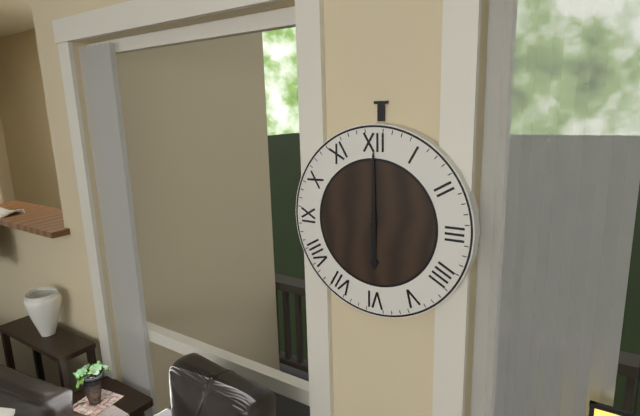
6:00
